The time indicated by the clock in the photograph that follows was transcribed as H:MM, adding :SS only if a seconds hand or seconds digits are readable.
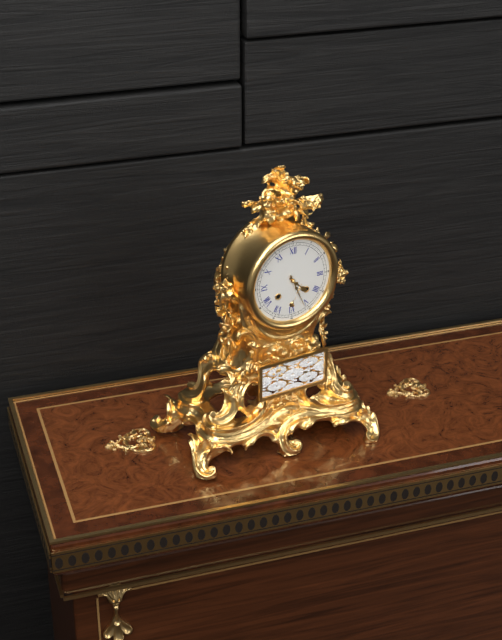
4:26
